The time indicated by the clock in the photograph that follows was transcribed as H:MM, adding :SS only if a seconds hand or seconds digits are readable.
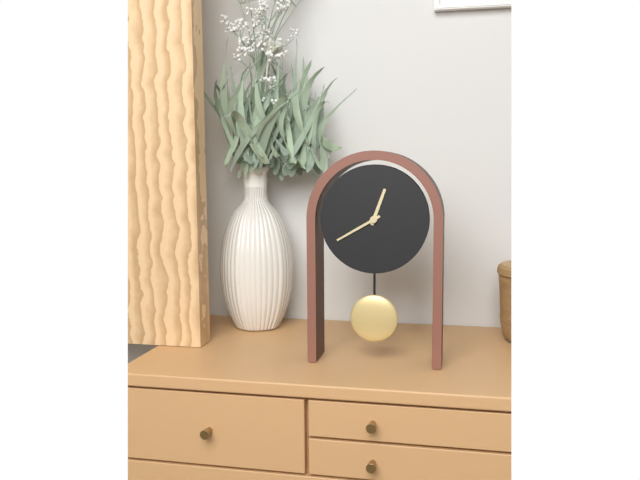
12:40
